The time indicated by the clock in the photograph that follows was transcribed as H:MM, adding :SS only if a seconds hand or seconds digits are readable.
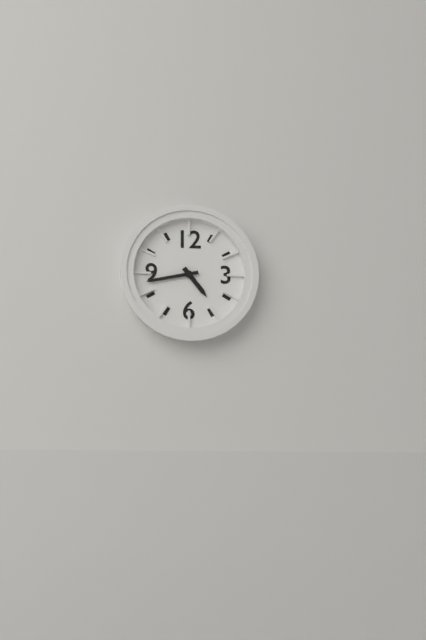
4:43
